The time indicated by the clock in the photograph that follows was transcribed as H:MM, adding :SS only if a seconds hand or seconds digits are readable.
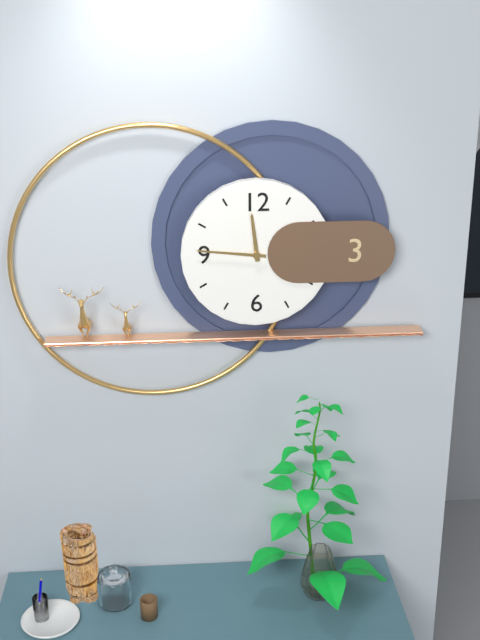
11:46
